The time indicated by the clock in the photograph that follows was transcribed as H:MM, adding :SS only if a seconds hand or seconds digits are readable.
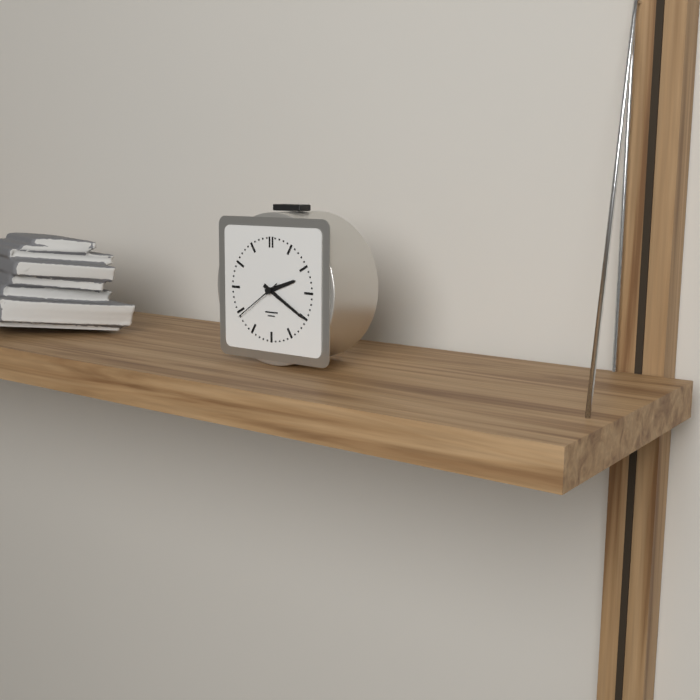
2:20:39
